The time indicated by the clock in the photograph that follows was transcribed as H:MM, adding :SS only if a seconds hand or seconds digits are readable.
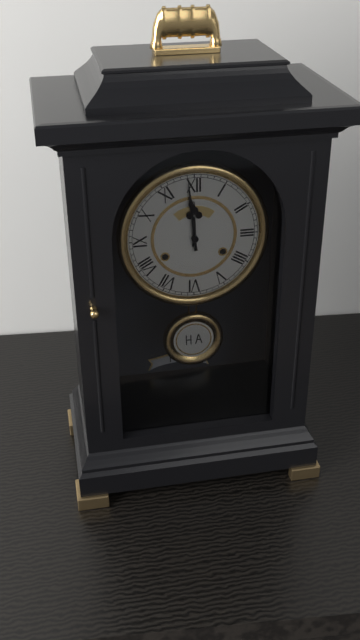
11:59
